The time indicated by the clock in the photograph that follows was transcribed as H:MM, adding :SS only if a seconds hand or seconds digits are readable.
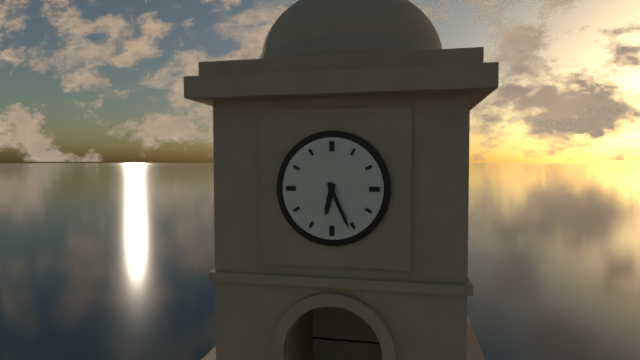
6:26
